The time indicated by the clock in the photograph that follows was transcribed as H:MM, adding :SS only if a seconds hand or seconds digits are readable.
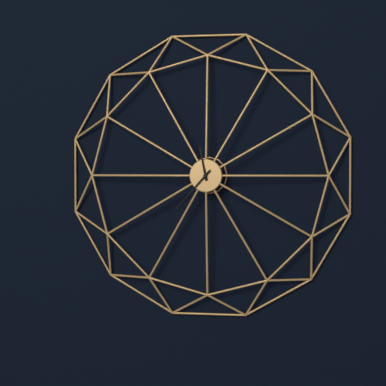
11:37
